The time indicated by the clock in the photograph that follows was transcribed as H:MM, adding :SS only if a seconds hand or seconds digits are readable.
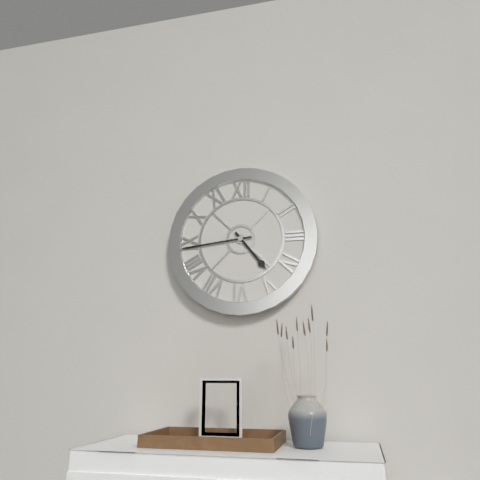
4:44
